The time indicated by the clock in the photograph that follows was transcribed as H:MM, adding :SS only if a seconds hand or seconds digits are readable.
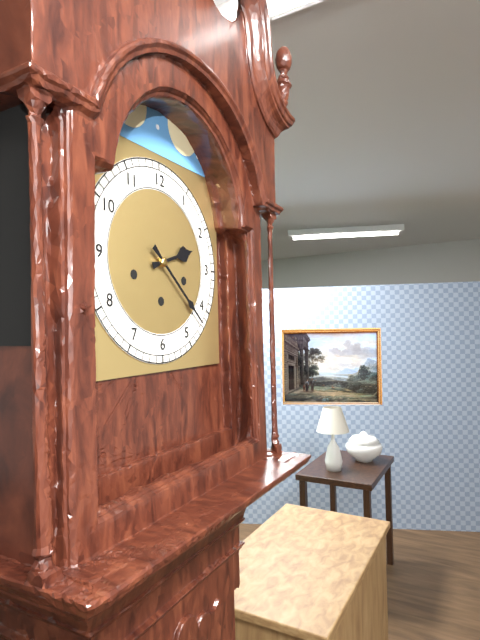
2:22
